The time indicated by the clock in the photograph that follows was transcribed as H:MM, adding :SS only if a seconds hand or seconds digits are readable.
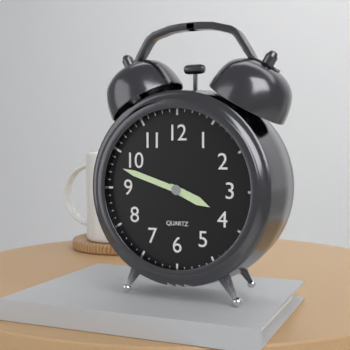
3:48
